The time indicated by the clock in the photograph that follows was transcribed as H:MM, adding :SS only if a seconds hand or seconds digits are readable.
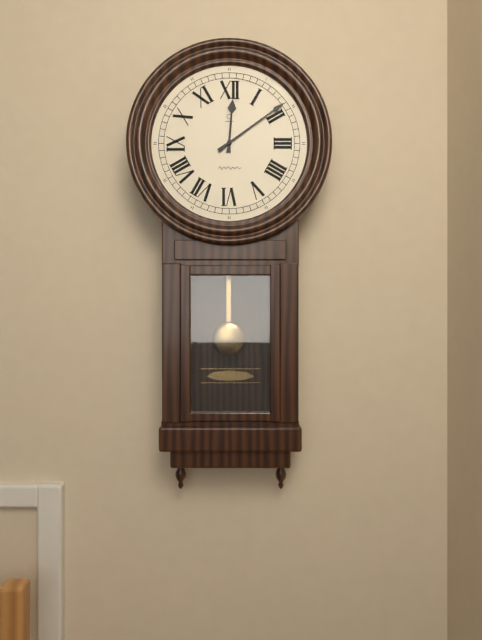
12:09
